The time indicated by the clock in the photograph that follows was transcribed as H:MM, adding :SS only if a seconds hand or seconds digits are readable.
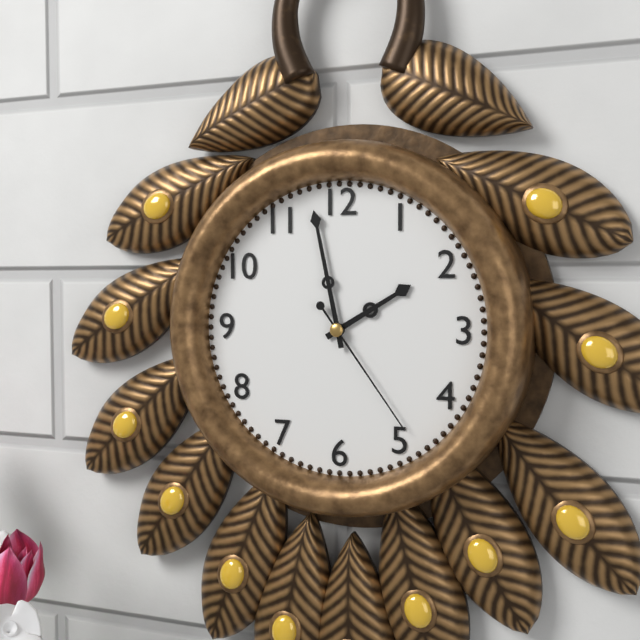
1:58:24
